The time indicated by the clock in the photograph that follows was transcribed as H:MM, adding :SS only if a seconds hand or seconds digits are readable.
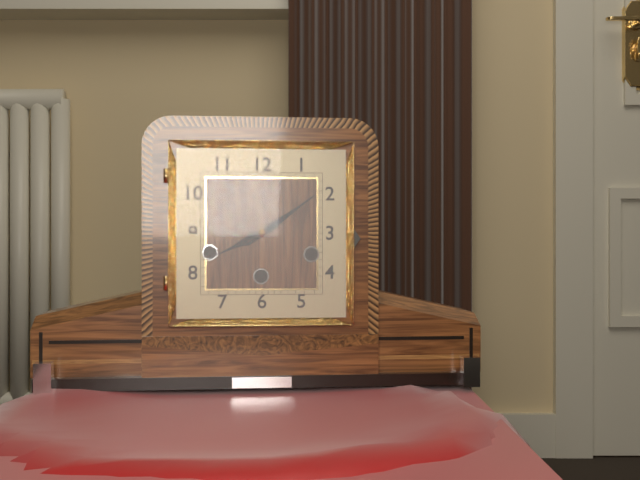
8:09
